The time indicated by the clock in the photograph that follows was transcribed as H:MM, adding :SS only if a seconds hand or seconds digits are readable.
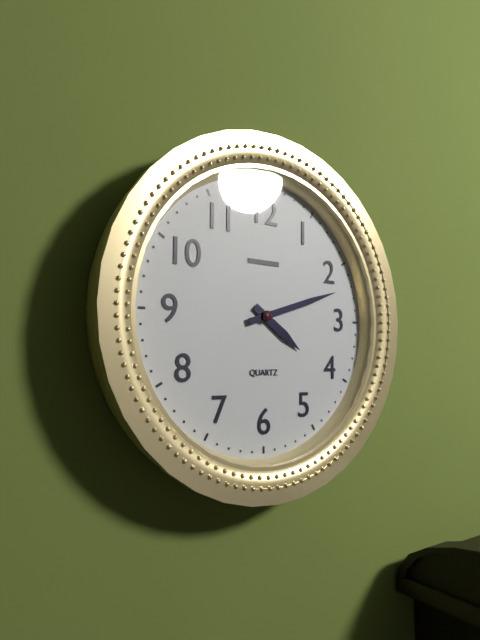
4:12
